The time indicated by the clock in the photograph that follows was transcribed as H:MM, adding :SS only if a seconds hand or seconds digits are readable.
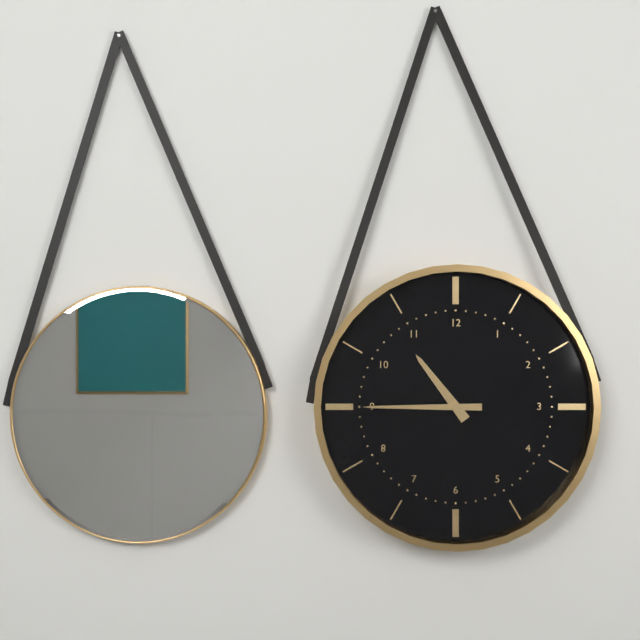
10:45
